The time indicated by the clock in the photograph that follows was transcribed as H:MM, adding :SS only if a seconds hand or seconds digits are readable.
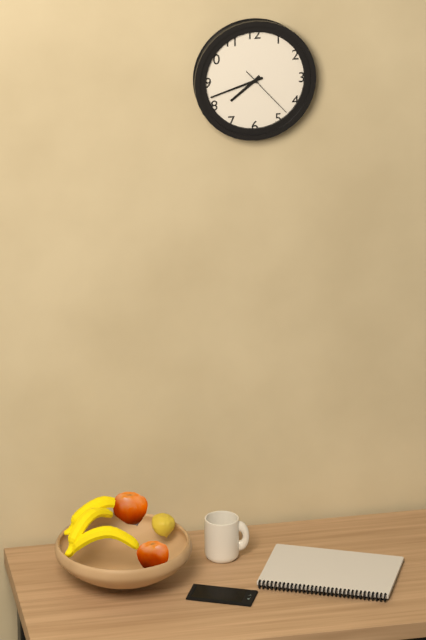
7:42:23
